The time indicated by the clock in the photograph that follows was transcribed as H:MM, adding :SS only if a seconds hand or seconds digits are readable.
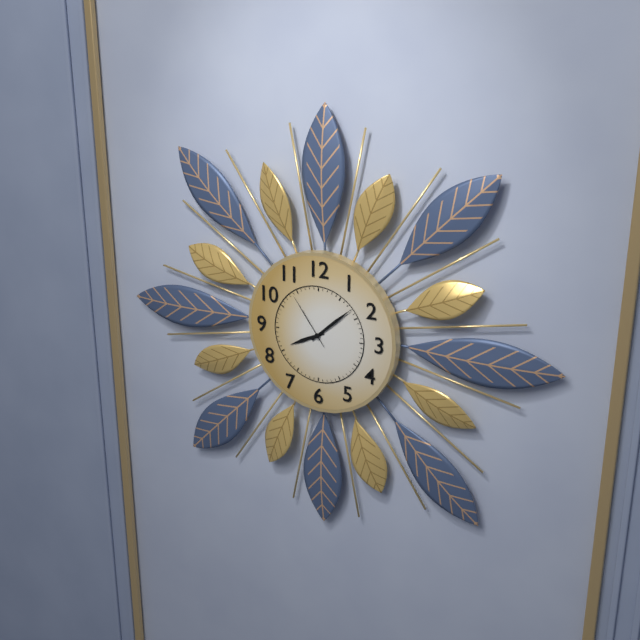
8:08:54
